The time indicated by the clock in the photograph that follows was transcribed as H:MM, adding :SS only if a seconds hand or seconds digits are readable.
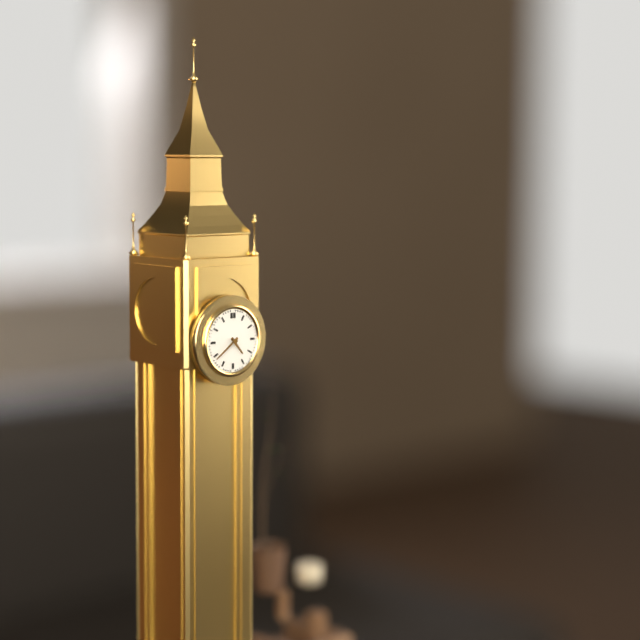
4:39
